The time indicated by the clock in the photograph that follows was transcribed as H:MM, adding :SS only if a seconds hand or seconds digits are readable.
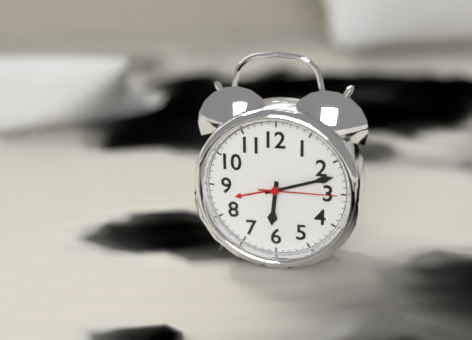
6:12:15
